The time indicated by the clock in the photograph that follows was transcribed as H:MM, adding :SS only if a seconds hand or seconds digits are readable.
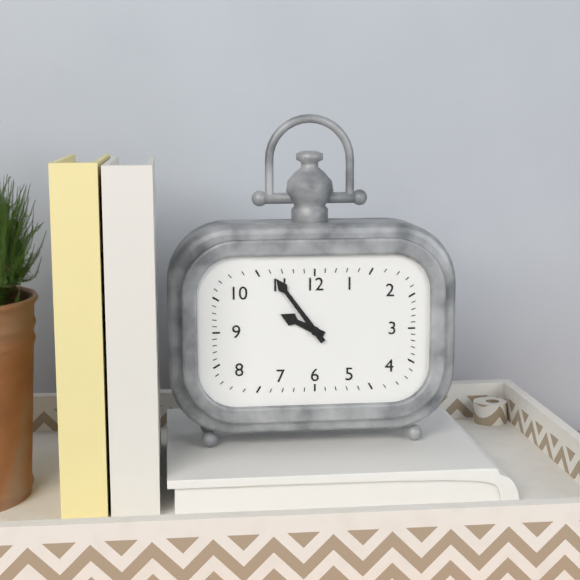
9:54
